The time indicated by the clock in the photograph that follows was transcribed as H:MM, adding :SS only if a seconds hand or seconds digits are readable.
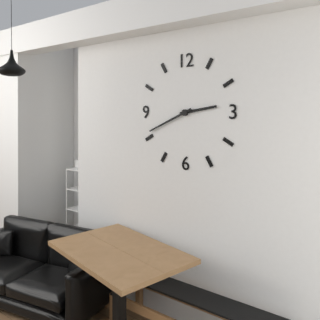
2:41
